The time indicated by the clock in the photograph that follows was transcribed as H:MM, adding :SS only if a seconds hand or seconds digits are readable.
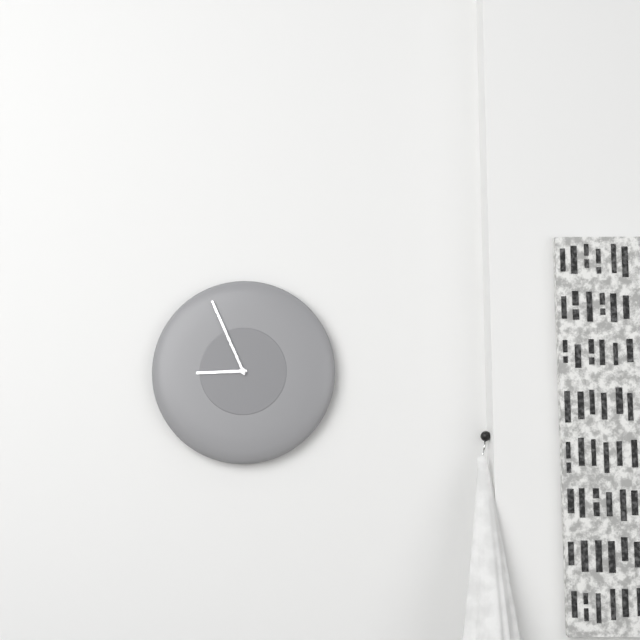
8:56
